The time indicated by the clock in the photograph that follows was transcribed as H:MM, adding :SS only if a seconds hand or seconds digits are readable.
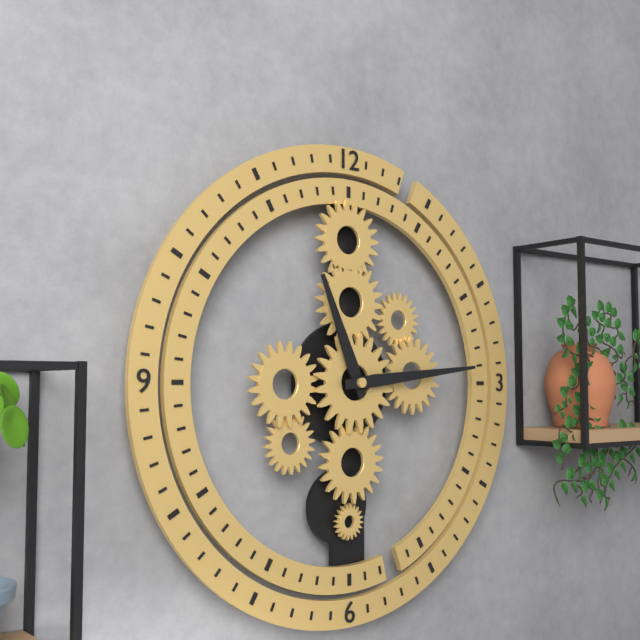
11:14
